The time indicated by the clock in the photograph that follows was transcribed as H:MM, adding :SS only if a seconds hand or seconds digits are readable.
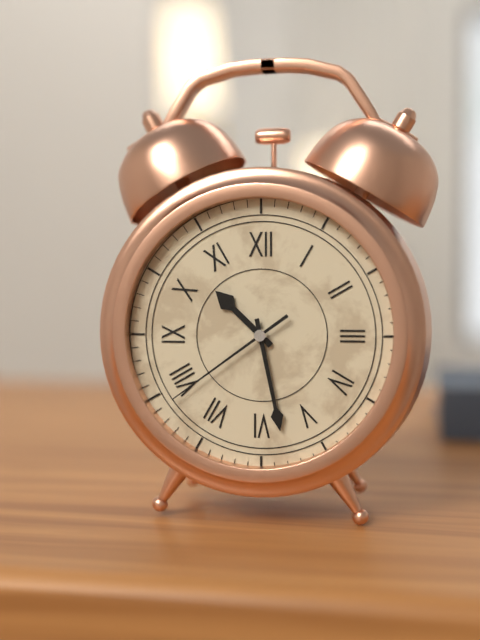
10:28:39
